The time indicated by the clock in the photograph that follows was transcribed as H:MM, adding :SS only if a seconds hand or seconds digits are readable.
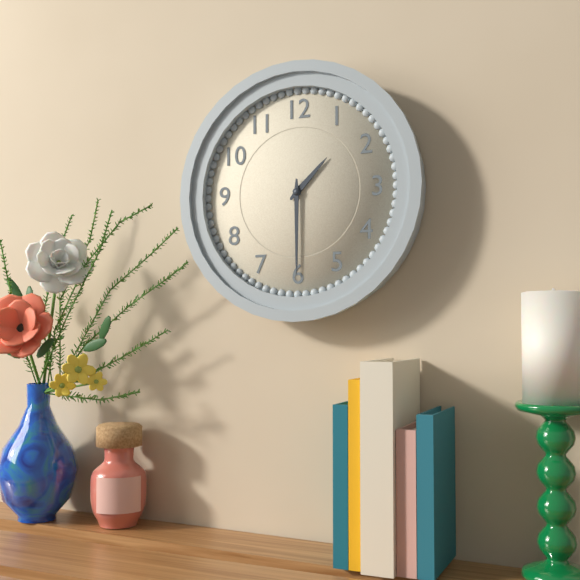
1:30
